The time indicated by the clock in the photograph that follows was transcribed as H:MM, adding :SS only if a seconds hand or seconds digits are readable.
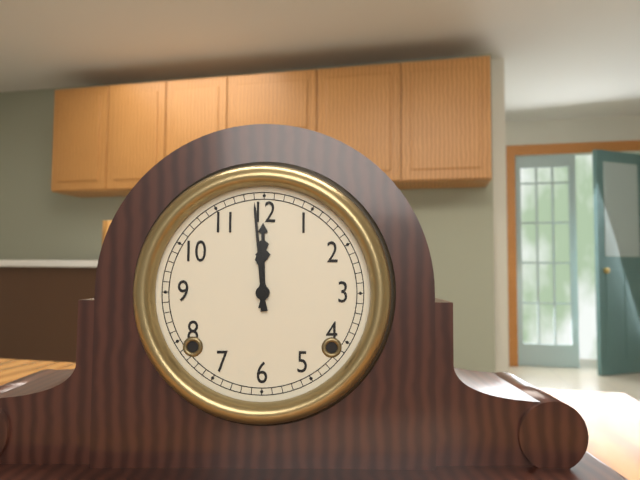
11:59
